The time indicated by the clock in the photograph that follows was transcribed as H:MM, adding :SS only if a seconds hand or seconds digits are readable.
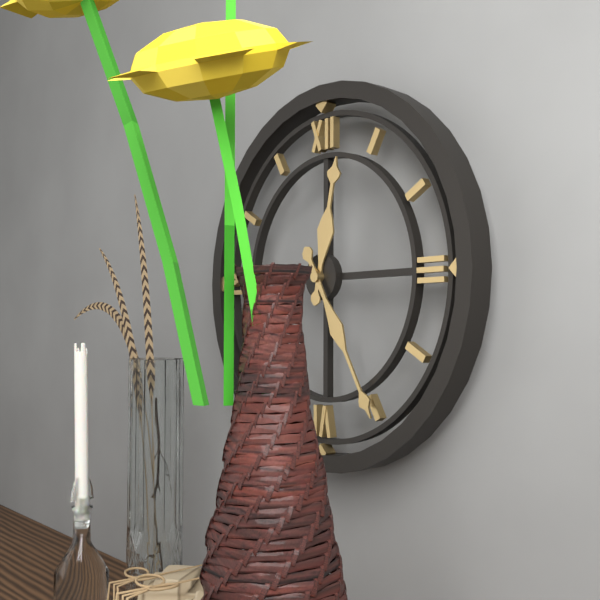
12:25
